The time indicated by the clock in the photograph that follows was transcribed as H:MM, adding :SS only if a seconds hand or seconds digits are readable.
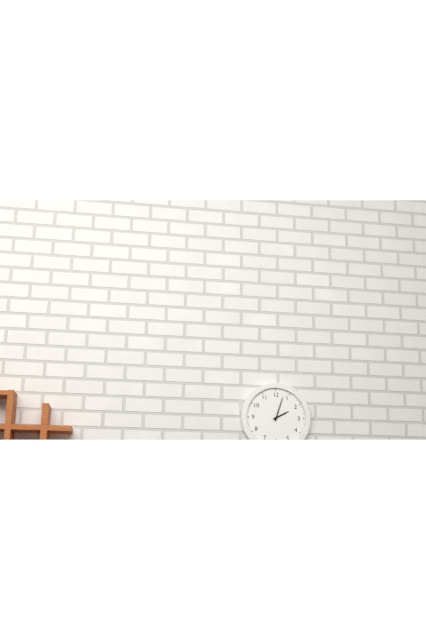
2:03
